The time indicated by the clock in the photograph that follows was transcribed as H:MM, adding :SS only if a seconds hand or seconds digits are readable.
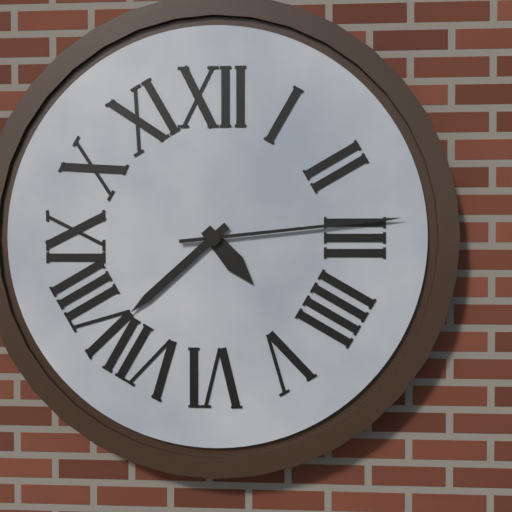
4:38:14
